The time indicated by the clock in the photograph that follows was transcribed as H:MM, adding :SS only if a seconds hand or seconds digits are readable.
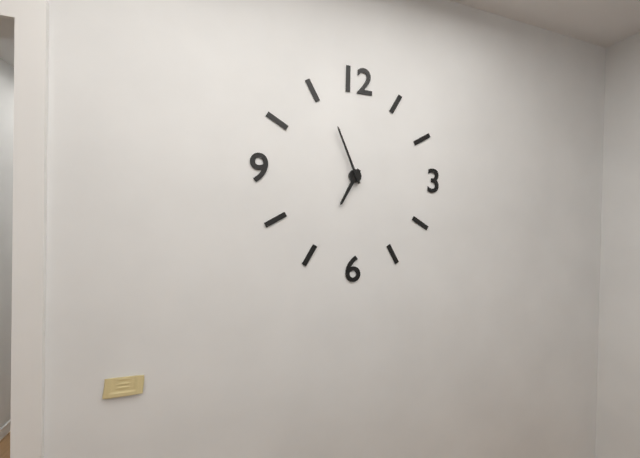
6:56
